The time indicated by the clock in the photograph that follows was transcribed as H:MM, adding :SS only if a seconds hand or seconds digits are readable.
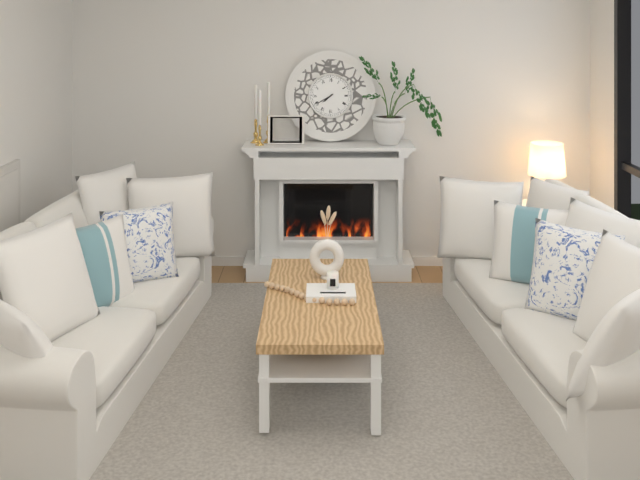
7:40
